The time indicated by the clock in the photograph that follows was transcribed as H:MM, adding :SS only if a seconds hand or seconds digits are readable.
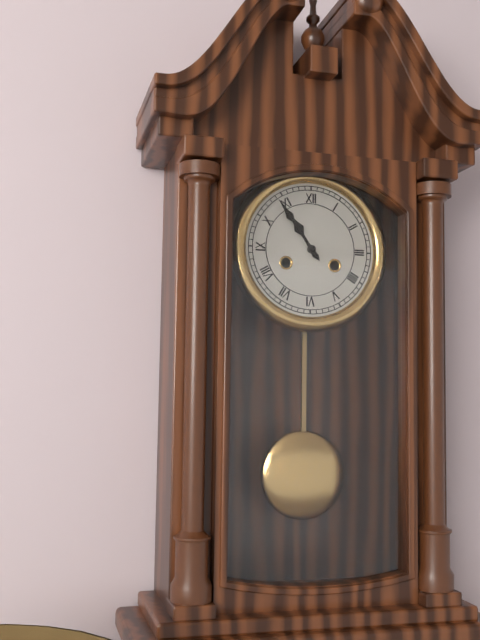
10:54
